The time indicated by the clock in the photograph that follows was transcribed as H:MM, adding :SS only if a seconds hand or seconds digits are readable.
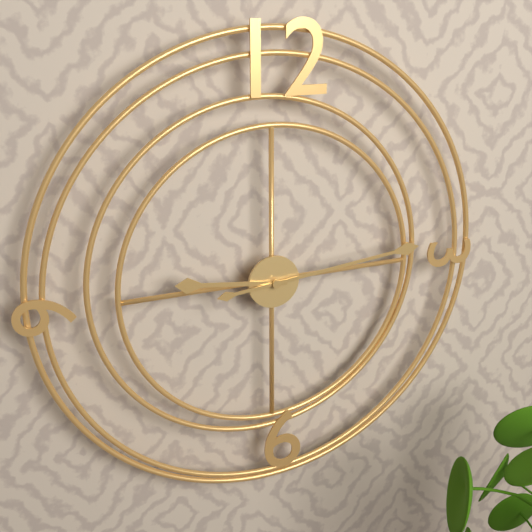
9:14
